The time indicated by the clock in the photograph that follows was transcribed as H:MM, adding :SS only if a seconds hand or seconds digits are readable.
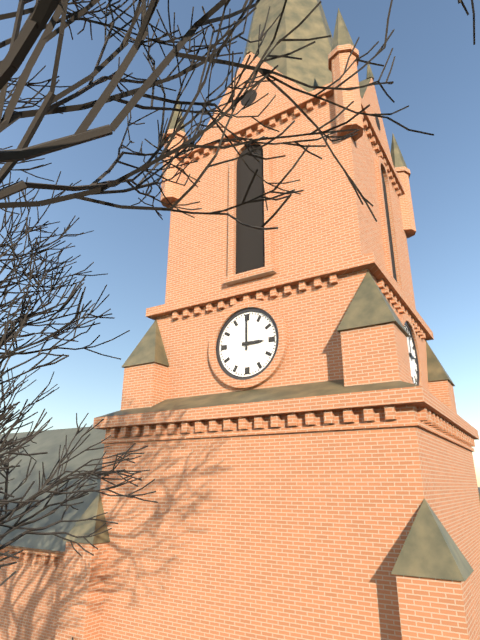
3:00
